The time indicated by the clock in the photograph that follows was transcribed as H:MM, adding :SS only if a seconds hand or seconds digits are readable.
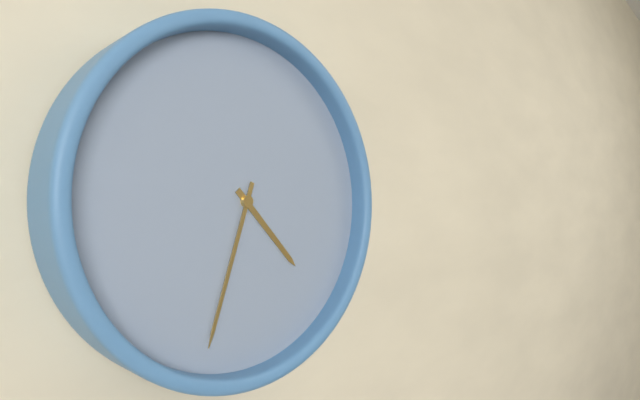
4:33
